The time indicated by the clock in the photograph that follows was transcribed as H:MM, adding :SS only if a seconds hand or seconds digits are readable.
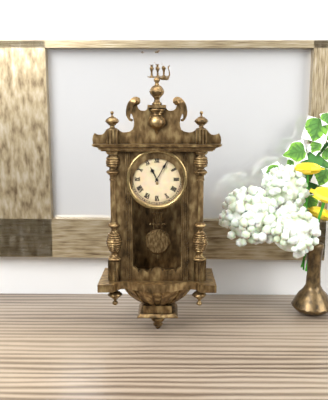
11:05
